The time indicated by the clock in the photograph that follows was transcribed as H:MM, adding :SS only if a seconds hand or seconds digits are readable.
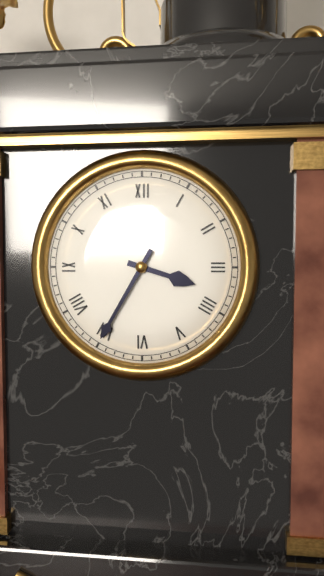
3:35
